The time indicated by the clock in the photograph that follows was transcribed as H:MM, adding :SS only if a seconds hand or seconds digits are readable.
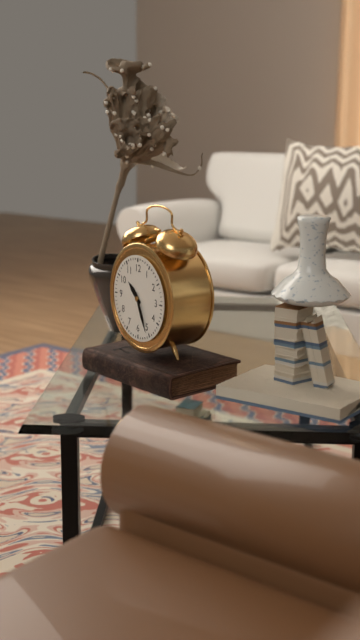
10:26
